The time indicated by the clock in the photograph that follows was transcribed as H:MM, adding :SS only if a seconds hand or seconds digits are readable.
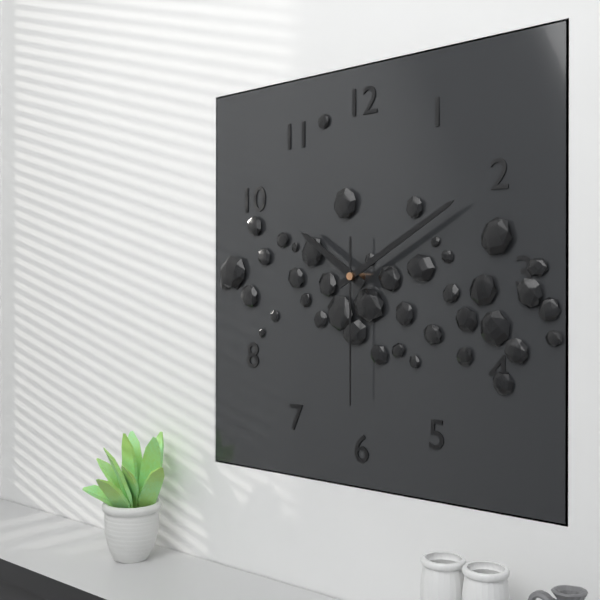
10:10:30
